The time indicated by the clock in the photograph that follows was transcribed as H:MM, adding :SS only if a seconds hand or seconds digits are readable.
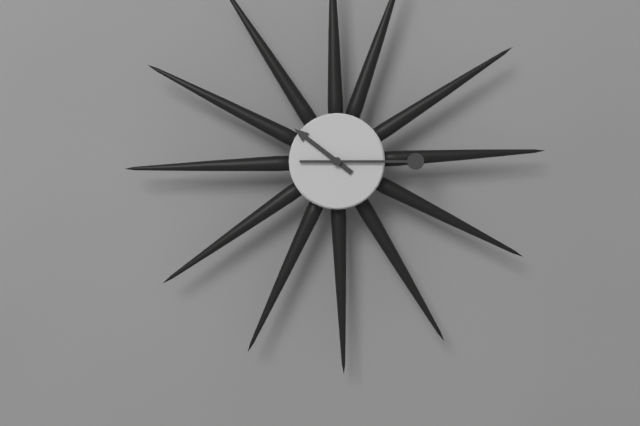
10:15
